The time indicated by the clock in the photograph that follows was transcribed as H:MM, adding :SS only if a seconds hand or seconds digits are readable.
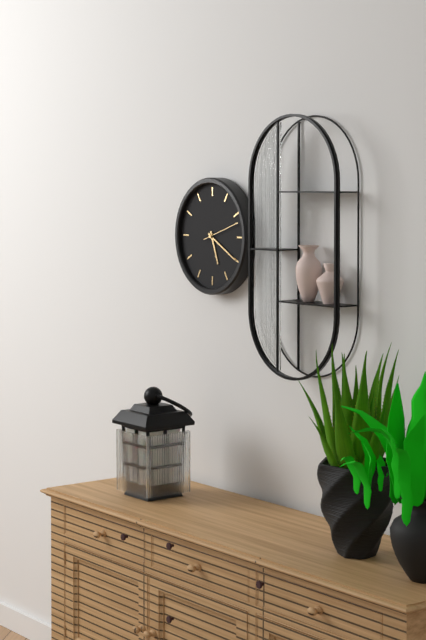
5:20
